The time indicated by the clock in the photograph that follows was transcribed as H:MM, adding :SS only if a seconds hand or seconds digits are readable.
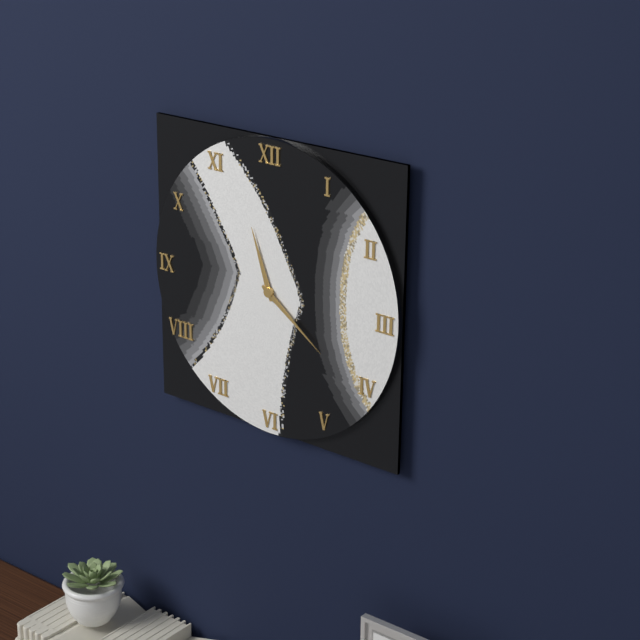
11:21
